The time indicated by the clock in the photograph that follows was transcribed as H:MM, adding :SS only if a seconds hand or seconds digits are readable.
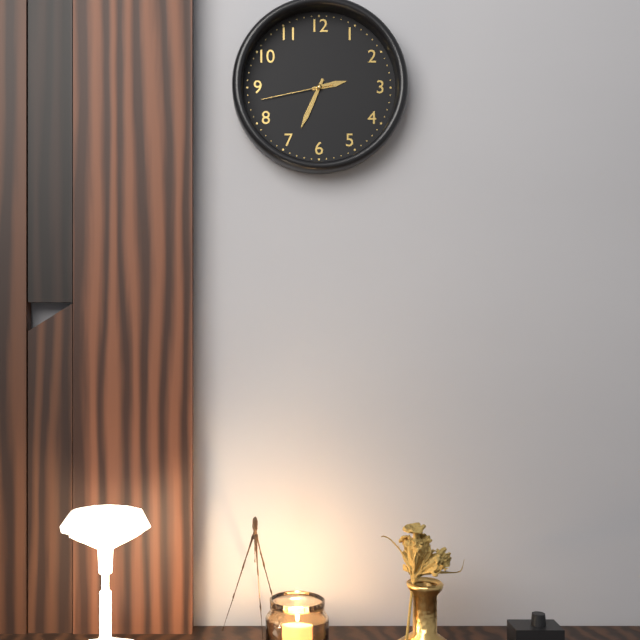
2:34:43
